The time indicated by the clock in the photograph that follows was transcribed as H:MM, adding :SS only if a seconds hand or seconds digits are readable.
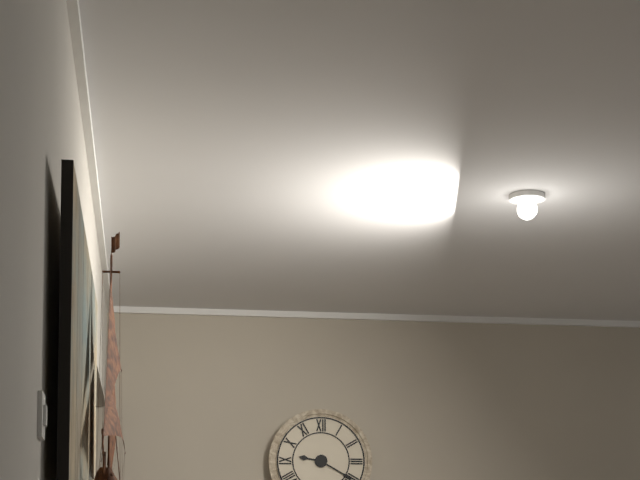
9:20
